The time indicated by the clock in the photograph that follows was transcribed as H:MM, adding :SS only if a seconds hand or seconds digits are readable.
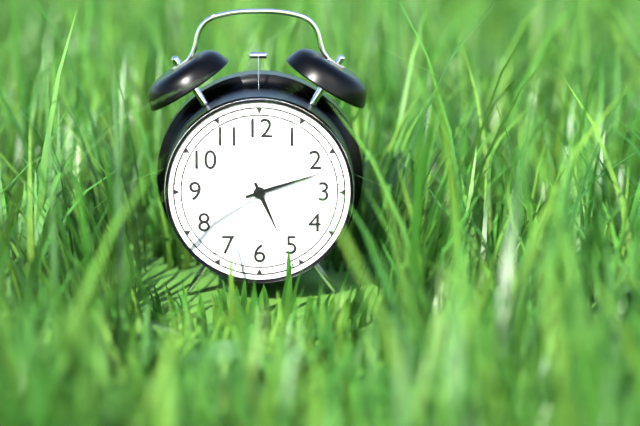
5:12
